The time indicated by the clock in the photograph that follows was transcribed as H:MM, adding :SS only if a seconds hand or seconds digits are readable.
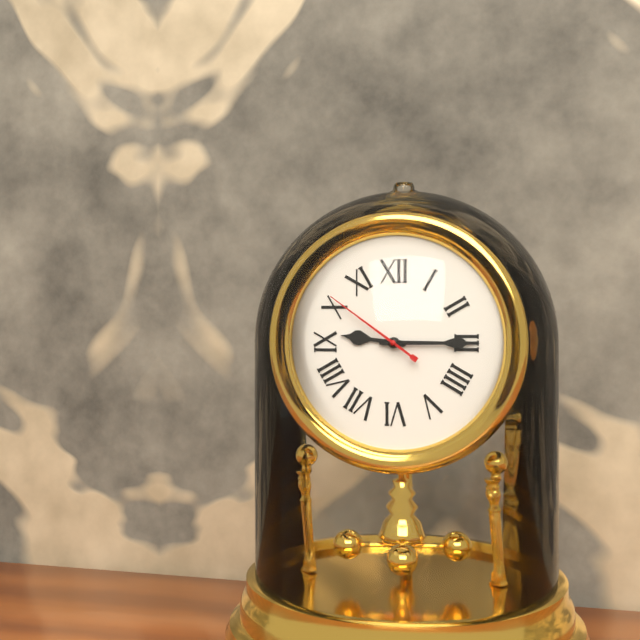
9:15:51
